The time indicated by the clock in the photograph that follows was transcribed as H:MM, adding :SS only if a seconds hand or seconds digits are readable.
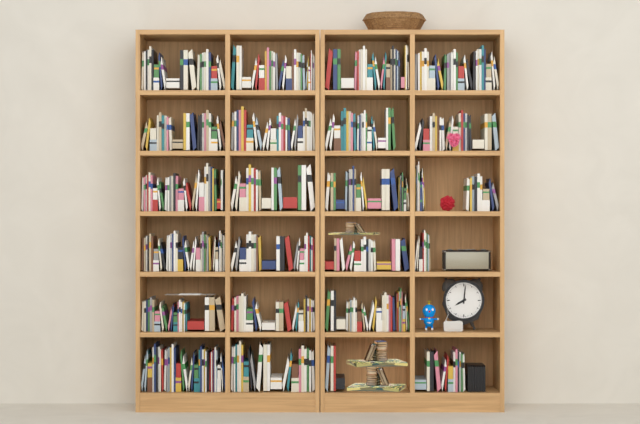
8:01
